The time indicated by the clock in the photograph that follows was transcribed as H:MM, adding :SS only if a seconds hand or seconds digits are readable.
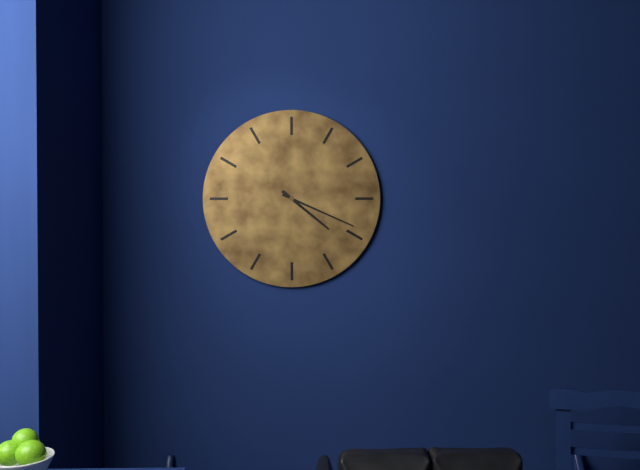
4:19
